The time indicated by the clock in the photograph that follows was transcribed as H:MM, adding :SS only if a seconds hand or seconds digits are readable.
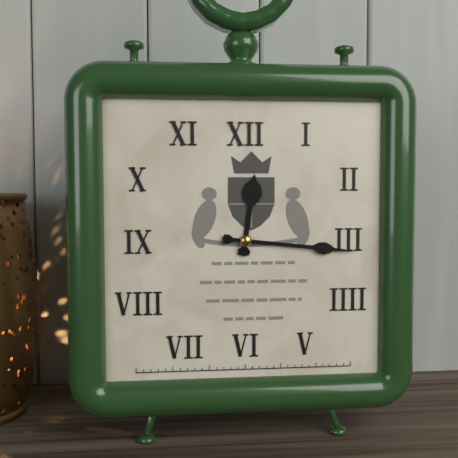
12:16
